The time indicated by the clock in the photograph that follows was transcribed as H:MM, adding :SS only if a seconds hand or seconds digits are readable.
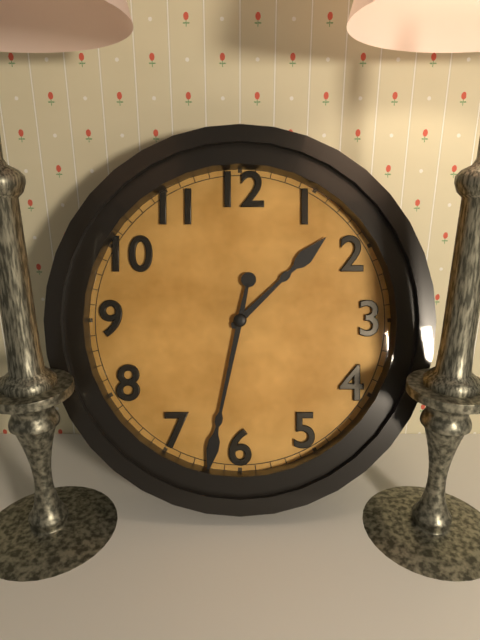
1:32
